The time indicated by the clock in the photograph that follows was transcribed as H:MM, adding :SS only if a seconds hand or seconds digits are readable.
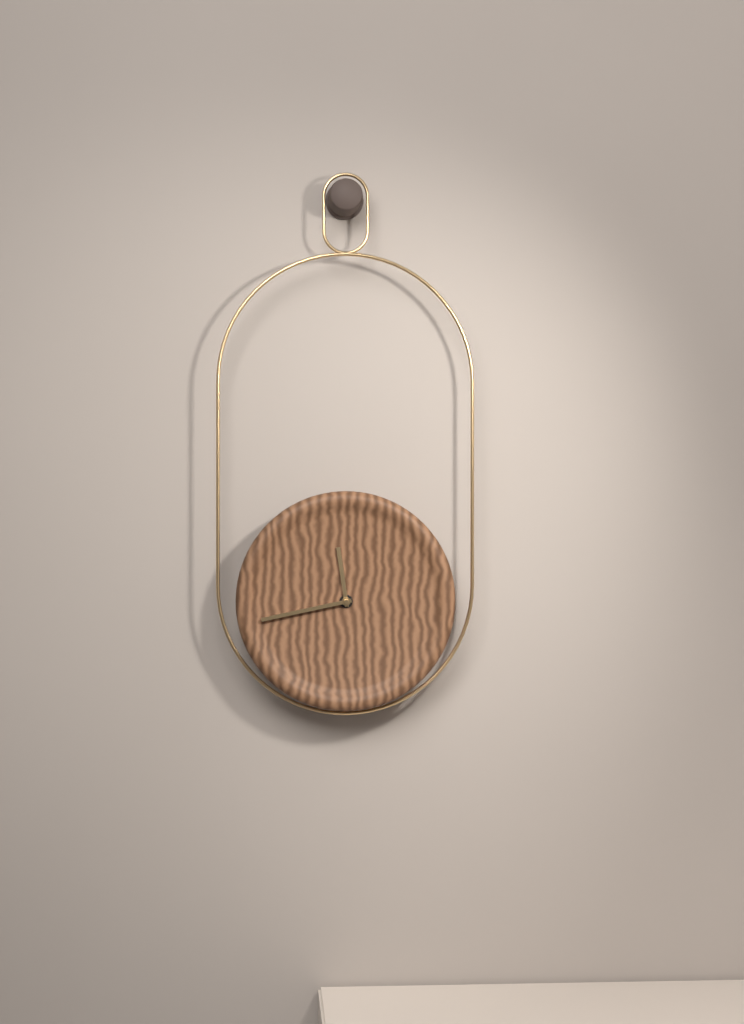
11:43
